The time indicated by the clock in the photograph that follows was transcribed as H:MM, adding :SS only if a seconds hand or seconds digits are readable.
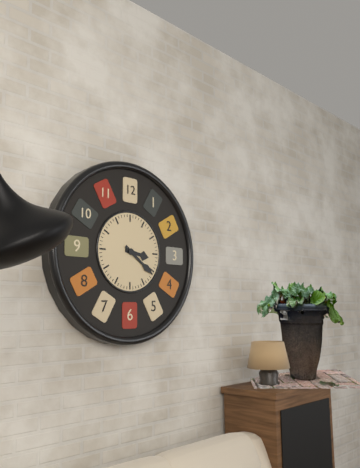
3:21
